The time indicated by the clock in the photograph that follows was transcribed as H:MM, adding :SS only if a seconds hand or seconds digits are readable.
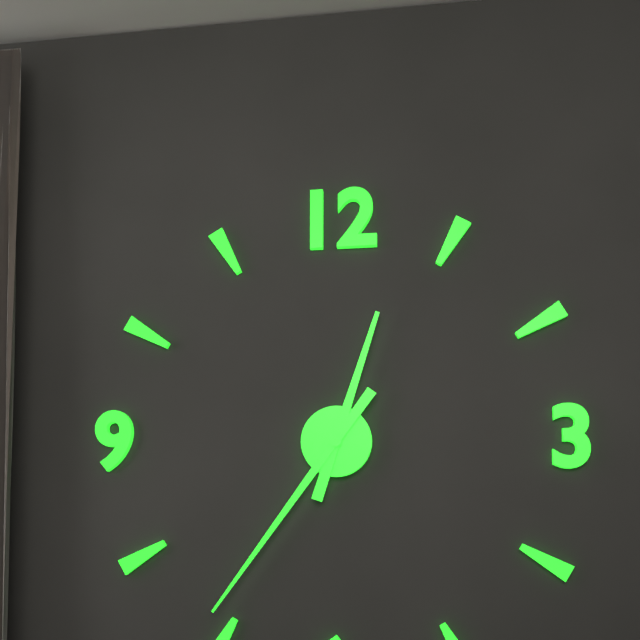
12:36
